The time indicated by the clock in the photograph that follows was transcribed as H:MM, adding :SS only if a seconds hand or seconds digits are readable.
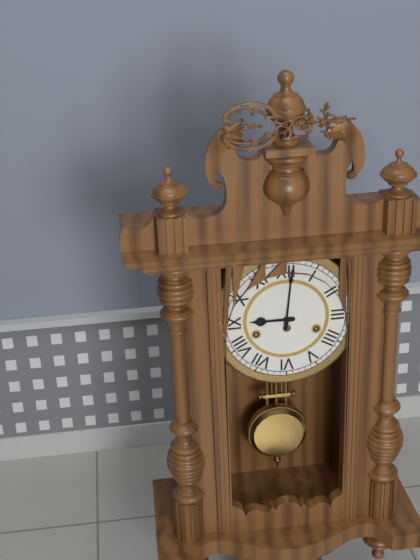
9:01
